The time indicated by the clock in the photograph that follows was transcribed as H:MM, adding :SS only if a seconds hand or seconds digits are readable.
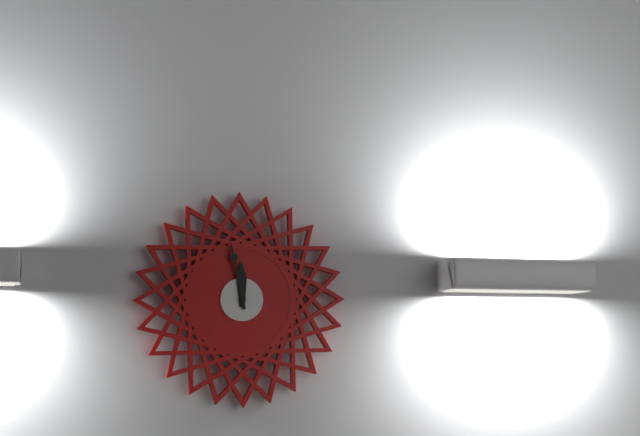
11:58
